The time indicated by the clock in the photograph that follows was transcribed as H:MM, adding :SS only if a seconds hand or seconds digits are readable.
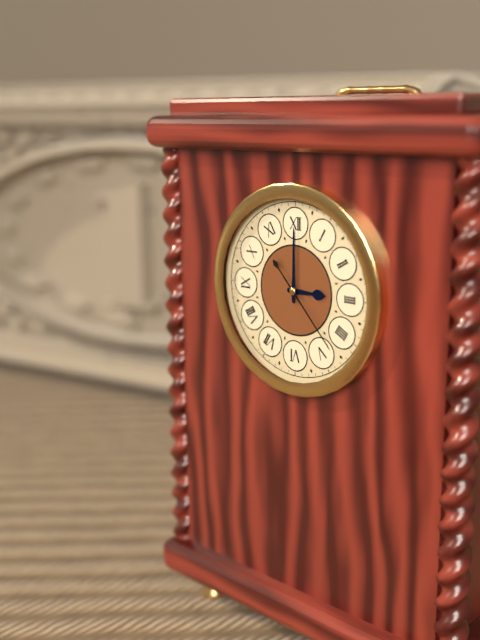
3:00:23
